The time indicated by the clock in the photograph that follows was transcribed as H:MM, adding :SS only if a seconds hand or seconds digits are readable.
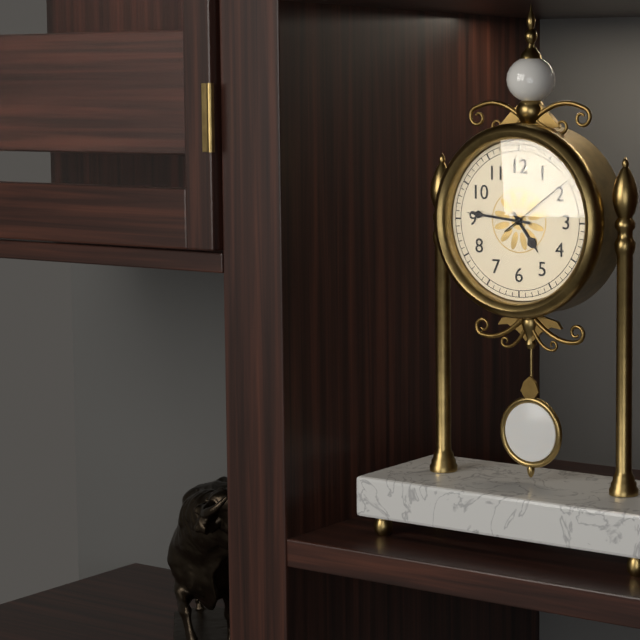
4:46:09
